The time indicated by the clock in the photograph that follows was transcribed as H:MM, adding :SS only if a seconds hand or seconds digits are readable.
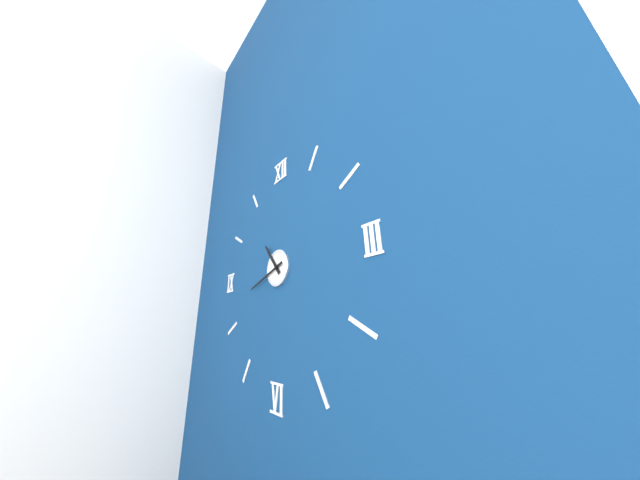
10:42
